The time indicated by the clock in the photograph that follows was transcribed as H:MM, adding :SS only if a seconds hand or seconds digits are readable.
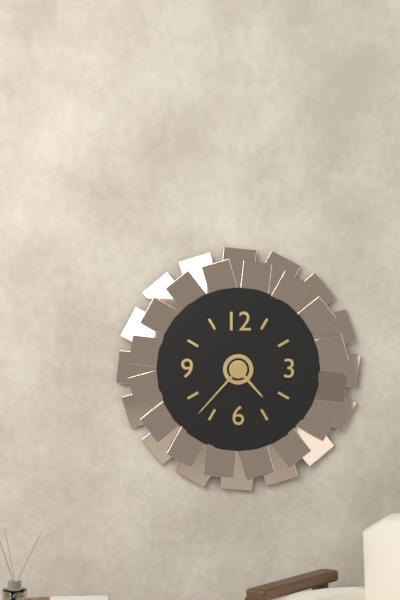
4:37
